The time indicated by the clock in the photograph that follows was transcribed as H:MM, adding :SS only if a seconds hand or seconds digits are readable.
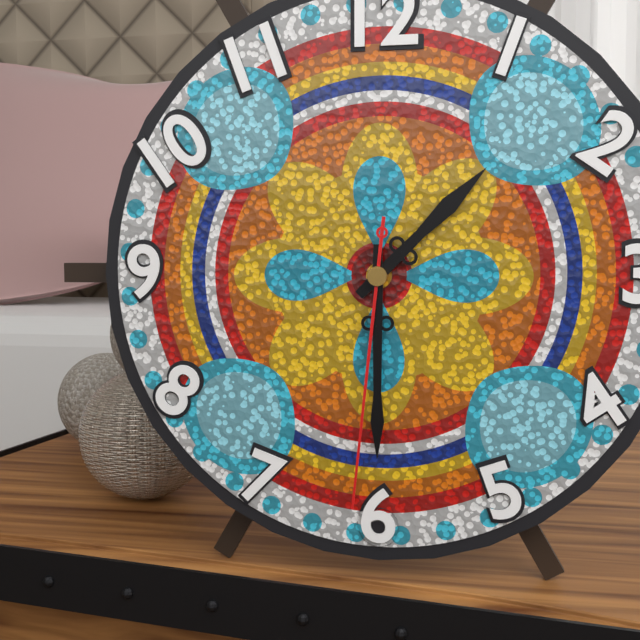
1:30:31
